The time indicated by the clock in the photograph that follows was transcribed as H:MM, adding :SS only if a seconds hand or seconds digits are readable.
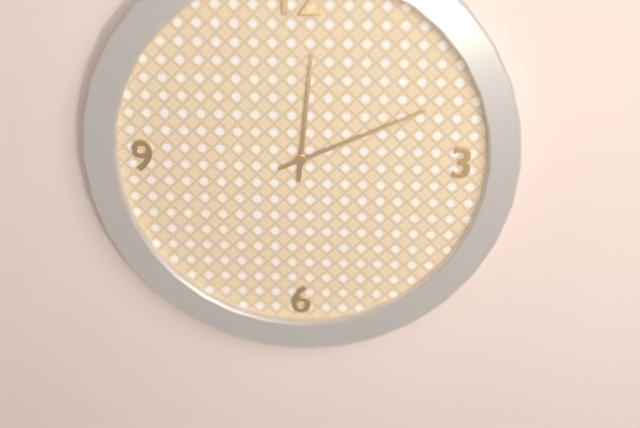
12:11
